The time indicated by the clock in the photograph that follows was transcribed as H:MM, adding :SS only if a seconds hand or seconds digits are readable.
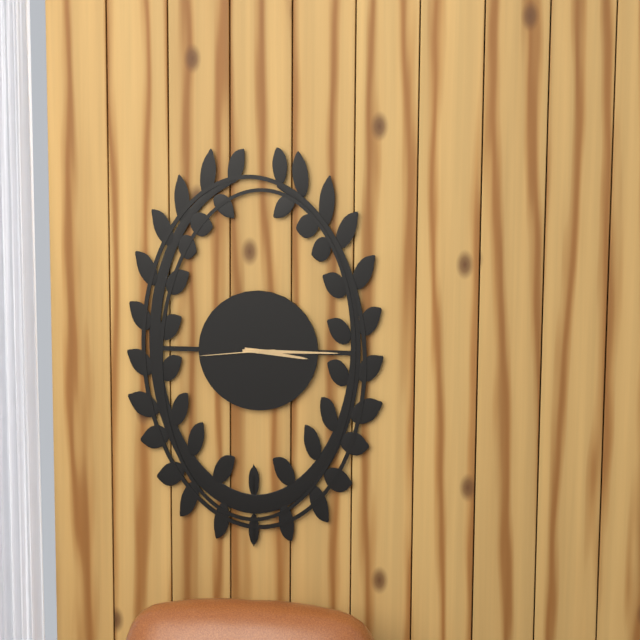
3:15:44
